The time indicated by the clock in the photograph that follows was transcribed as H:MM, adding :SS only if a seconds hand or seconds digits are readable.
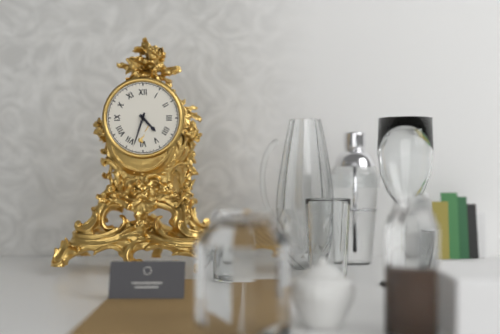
4:33
